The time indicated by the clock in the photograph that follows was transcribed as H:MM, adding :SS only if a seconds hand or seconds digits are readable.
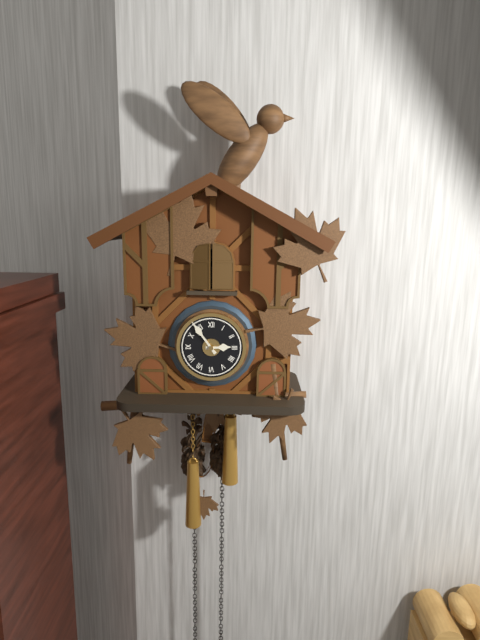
2:54
